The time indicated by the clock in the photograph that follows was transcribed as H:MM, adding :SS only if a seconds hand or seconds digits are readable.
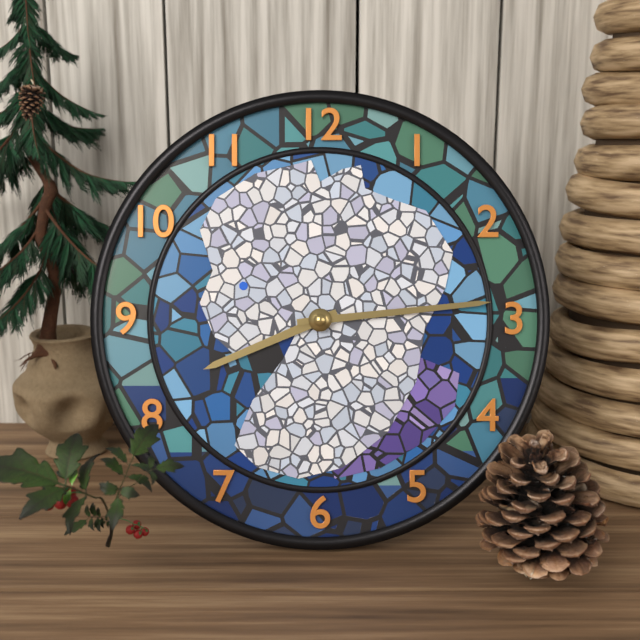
8:14
